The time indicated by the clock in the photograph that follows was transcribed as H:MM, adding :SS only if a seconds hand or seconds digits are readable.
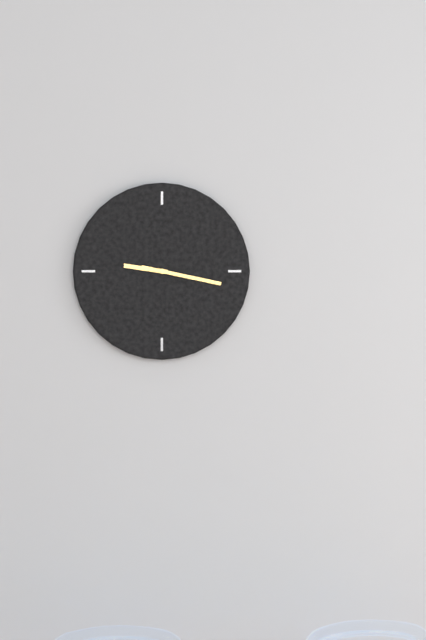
9:17
